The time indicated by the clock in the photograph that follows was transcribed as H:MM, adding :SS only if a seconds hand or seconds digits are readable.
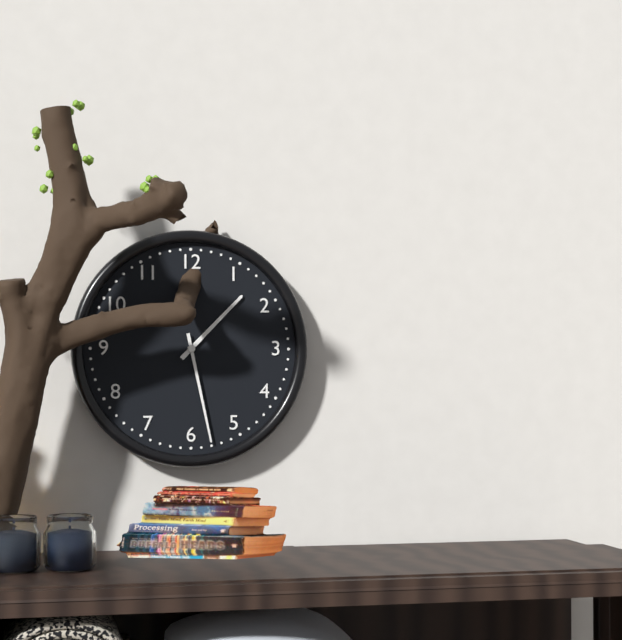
1:28
